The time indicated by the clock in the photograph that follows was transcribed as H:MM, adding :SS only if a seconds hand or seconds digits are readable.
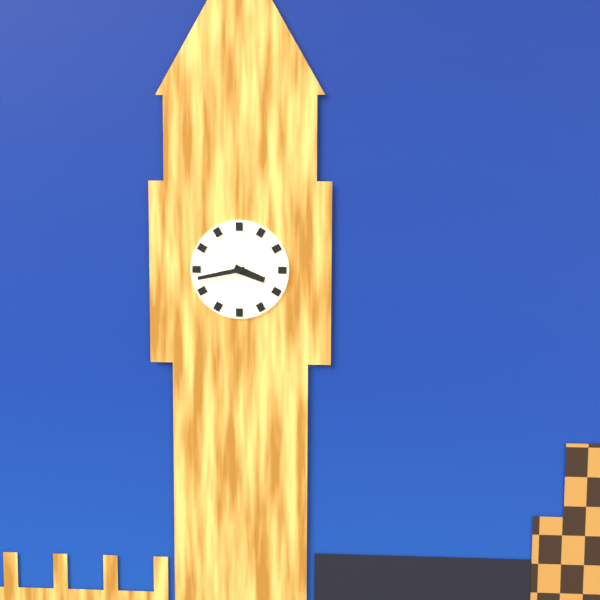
3:43
